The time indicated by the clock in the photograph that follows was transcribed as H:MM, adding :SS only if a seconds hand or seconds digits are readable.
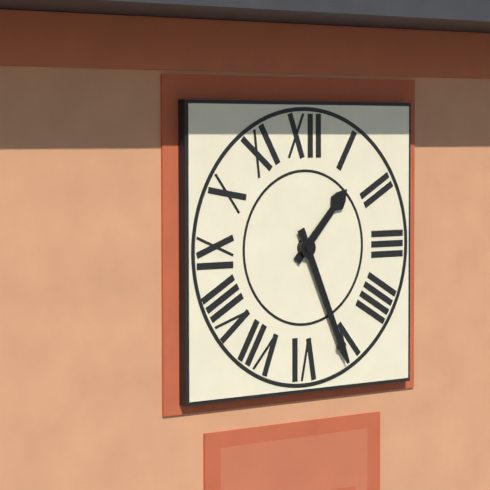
1:26
